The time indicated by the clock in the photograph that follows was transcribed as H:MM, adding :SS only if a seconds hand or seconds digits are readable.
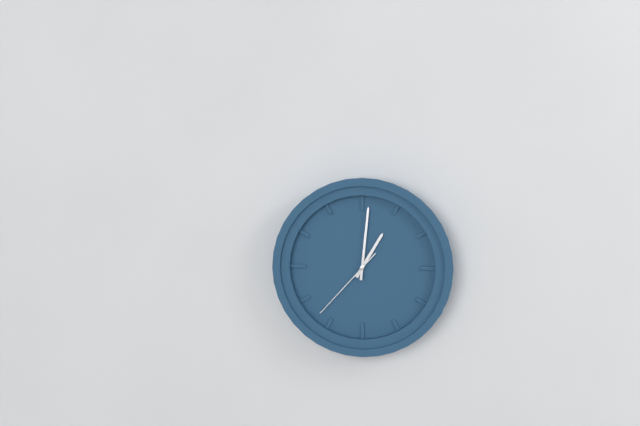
1:01:37
